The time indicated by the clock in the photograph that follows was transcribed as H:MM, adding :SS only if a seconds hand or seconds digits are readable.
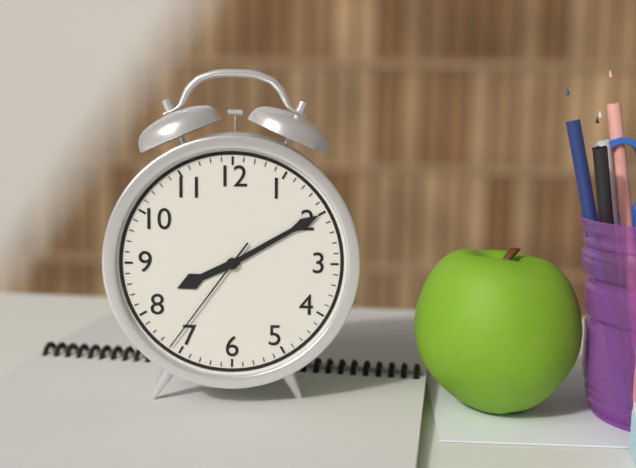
8:10:36
